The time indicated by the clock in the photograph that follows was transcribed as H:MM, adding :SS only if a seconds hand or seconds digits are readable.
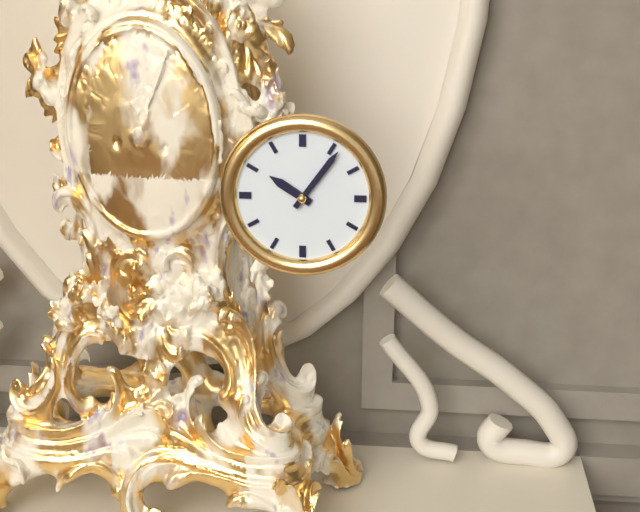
10:06
